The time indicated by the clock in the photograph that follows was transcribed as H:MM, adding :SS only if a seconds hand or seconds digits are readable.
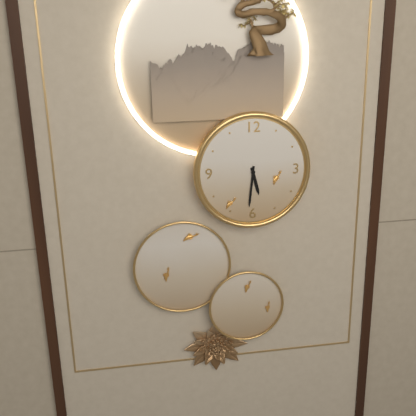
5:31
